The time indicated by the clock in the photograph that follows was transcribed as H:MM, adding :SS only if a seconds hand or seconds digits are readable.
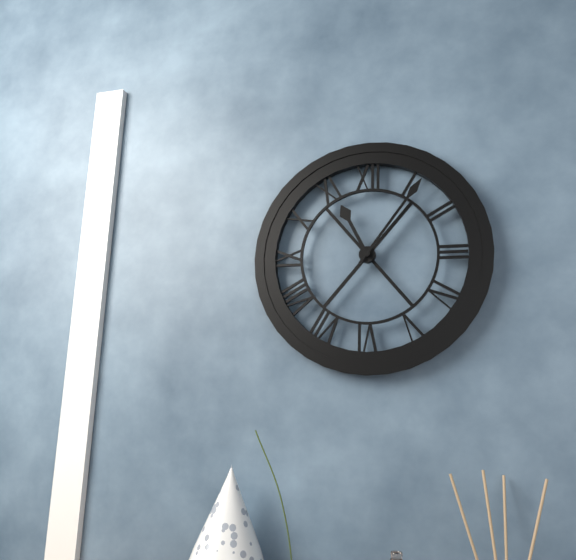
11:06
